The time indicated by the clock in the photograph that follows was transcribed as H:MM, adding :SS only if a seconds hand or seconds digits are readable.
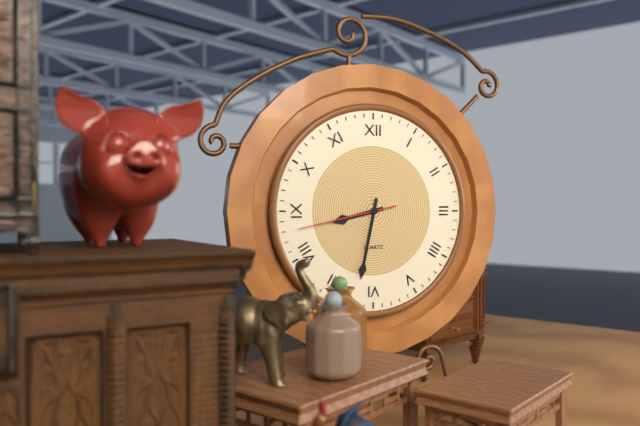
8:32:43
